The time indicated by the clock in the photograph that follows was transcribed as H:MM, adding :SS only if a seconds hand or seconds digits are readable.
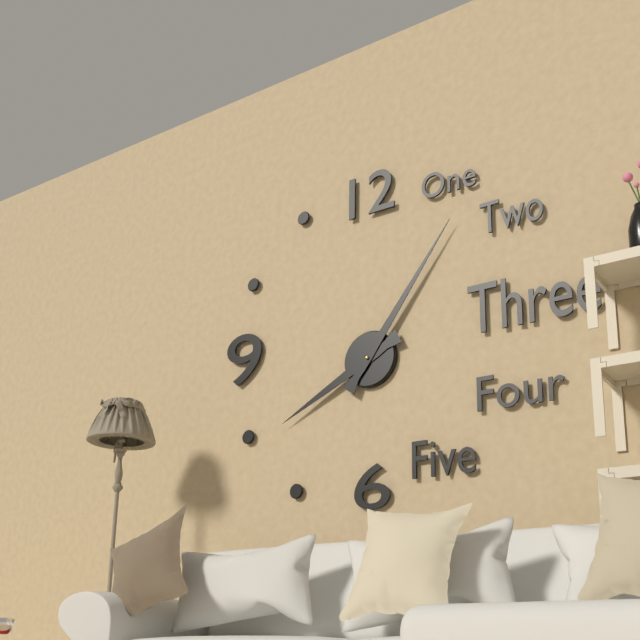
8:06
